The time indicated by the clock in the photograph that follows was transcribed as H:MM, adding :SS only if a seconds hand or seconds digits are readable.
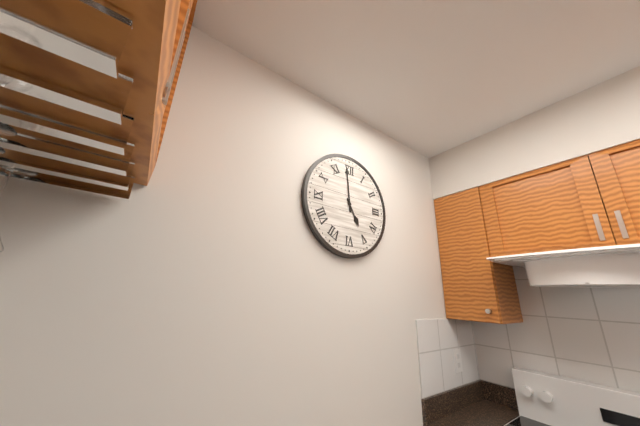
4:59
